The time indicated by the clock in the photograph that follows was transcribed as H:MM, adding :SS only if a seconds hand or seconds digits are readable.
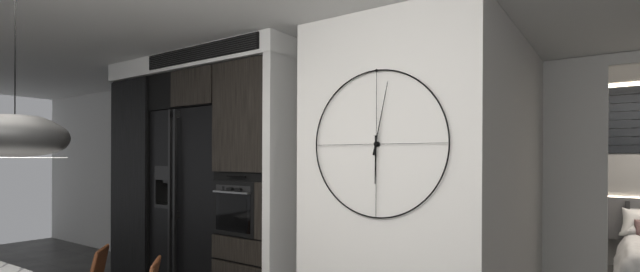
6:02
